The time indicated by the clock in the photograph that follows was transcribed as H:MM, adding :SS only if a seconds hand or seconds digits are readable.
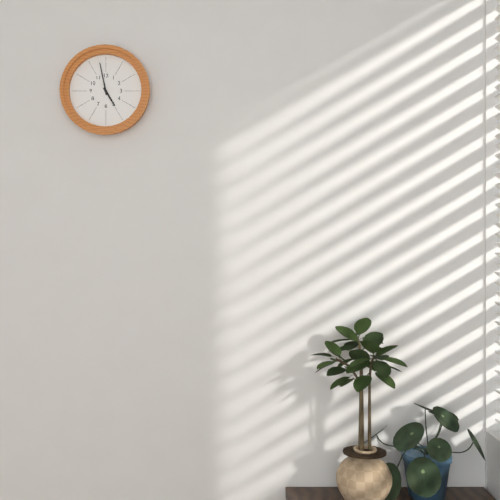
4:58
